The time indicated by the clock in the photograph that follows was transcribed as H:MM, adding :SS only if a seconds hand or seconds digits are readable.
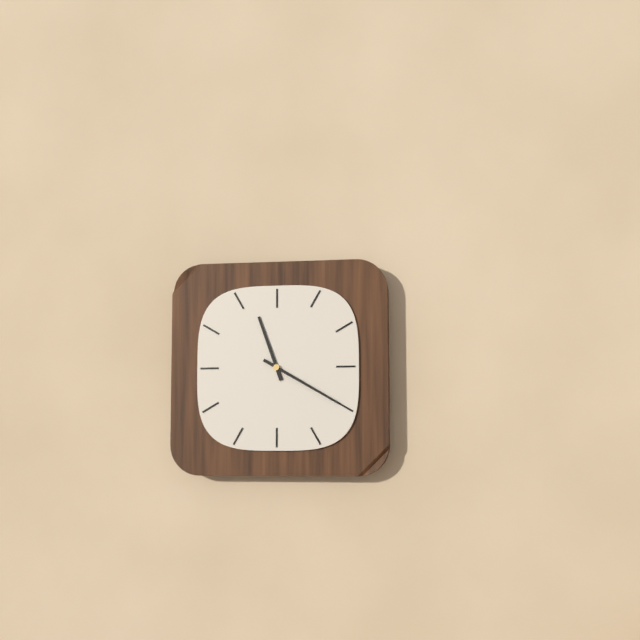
11:20
